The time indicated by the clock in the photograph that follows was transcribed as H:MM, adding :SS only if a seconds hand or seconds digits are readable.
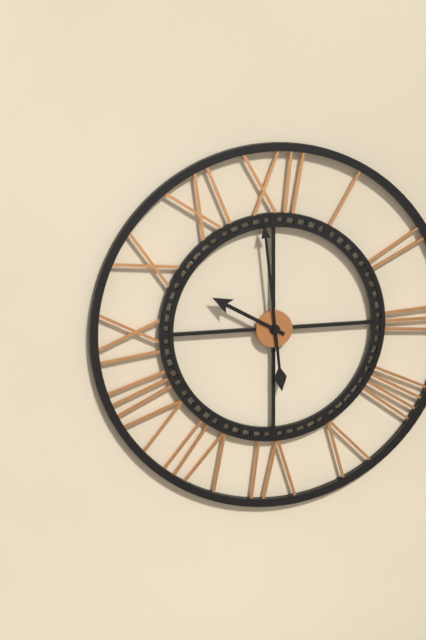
9:59
